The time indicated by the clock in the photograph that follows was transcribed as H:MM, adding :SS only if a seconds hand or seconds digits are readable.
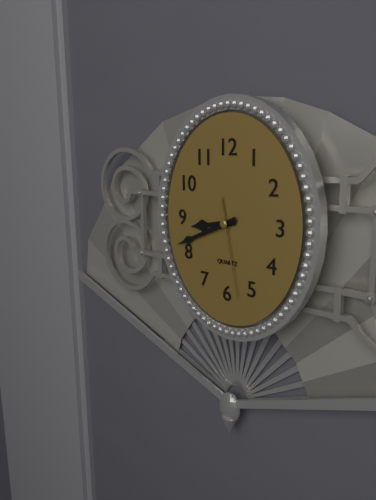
8:41:28
